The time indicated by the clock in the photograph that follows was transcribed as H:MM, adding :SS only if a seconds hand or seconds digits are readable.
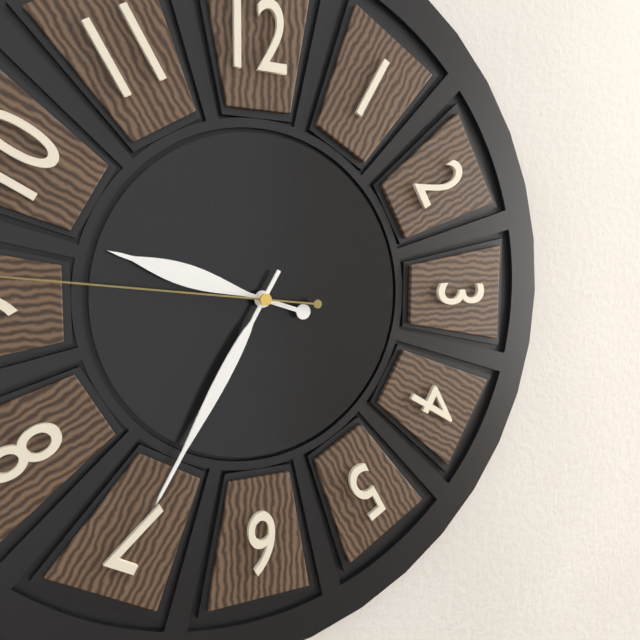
9:35
